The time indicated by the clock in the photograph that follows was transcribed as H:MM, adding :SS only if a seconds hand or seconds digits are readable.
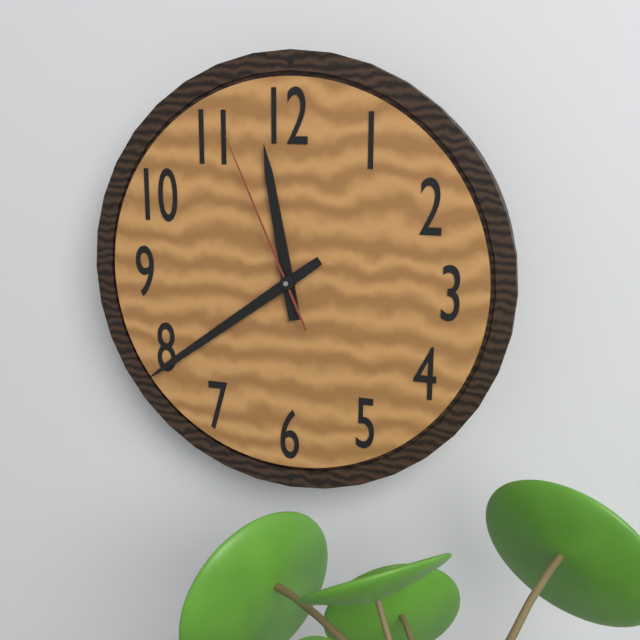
11:39:56
